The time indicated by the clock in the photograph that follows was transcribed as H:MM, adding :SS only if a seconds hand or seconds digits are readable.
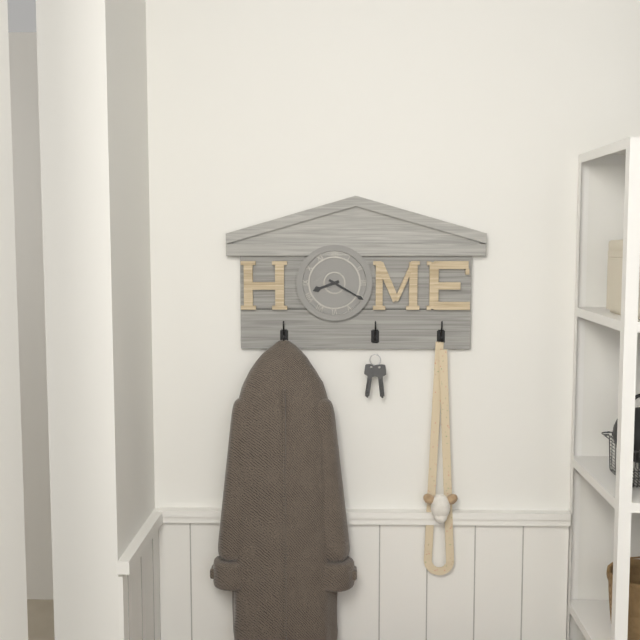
8:20
